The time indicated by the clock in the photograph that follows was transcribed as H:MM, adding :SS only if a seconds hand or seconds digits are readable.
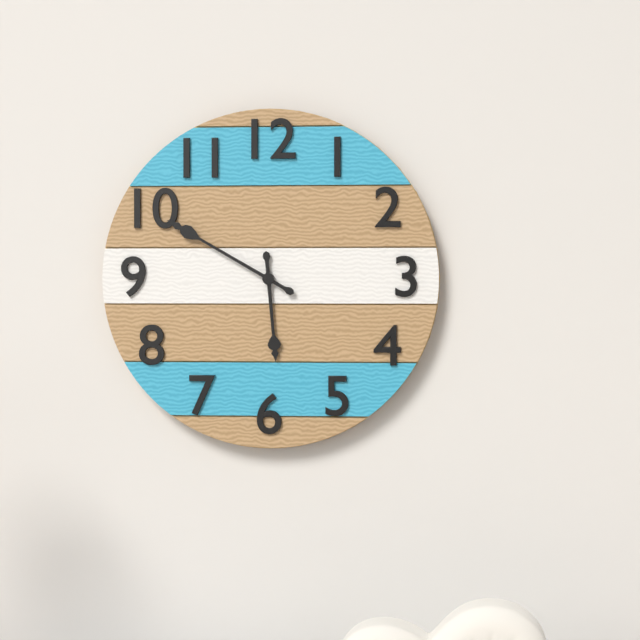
5:50
